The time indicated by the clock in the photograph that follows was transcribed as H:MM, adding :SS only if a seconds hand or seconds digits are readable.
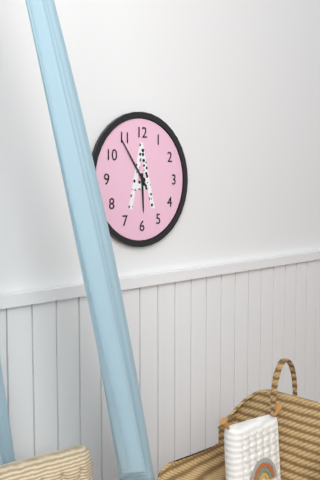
5:54
